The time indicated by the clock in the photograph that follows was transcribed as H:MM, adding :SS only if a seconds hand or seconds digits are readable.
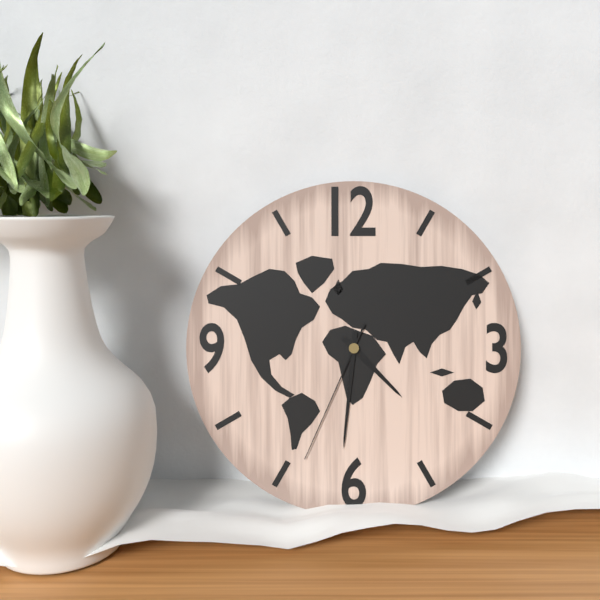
4:31:34
